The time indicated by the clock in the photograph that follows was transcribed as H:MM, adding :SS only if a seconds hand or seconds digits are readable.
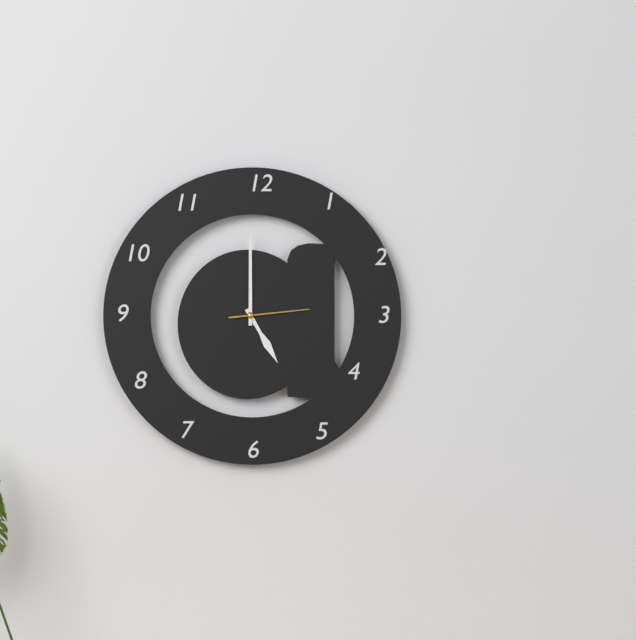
5:00:14
